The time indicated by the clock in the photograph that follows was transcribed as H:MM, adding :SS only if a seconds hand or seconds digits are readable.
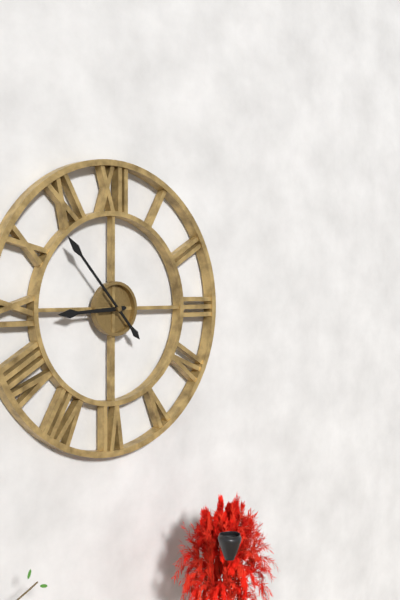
8:53
